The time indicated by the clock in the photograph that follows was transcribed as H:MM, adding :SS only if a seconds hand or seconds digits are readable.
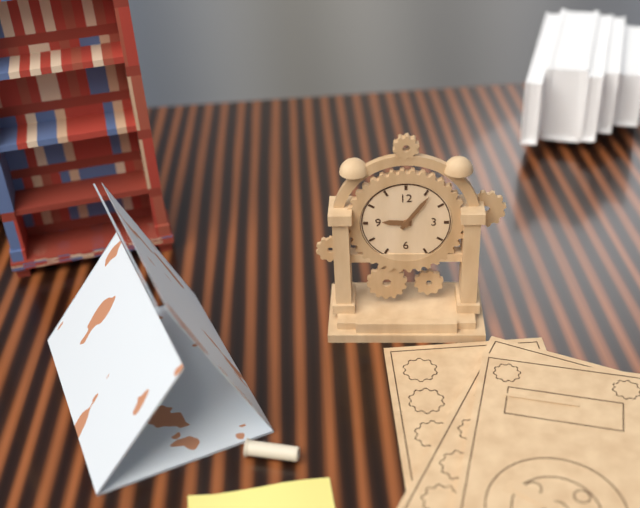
9:06
